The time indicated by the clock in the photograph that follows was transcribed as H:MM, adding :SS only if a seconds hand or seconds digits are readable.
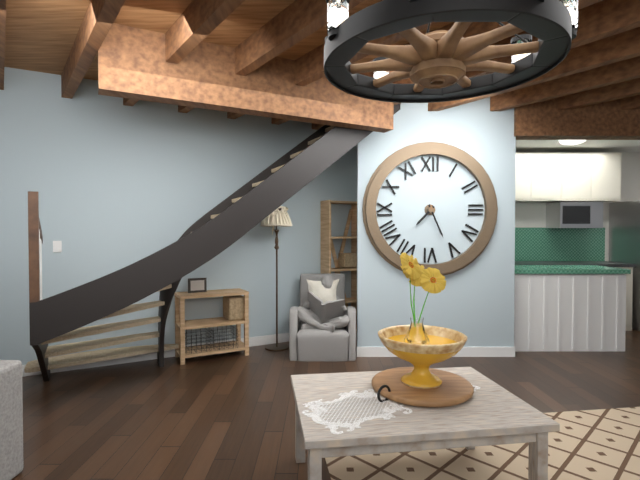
7:26
